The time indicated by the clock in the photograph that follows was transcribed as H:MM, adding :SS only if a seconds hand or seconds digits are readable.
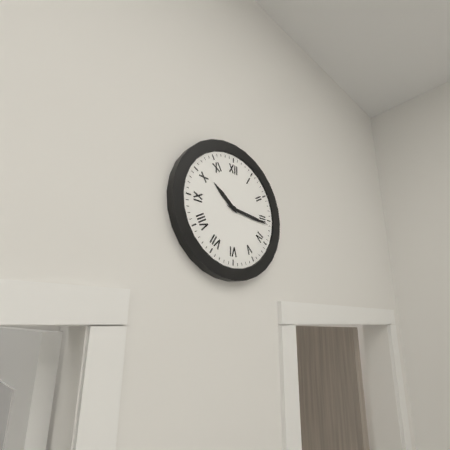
10:16
